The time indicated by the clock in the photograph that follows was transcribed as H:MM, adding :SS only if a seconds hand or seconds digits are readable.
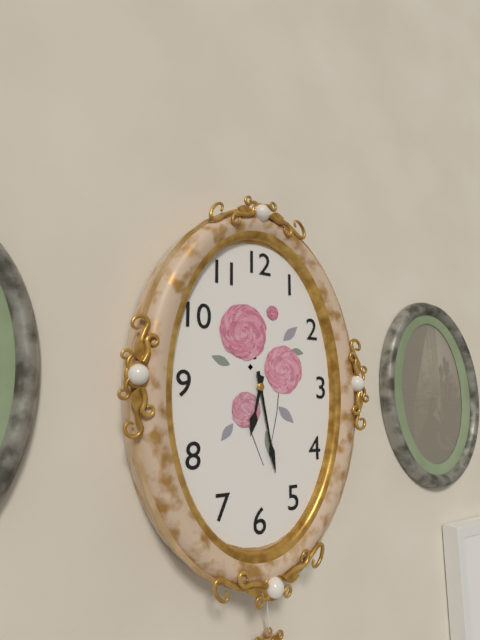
6:28
